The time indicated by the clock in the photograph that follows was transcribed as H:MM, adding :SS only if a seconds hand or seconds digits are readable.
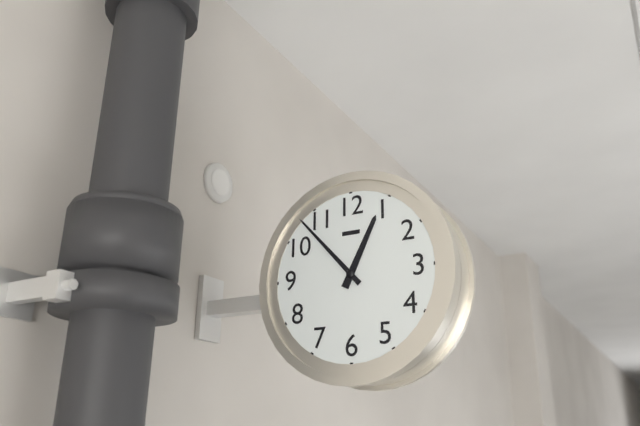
12:53
